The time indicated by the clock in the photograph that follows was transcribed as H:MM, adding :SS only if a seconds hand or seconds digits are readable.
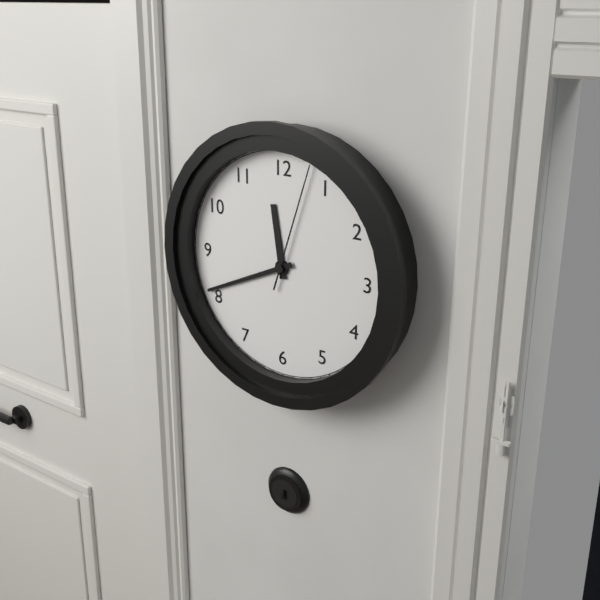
11:41:03
